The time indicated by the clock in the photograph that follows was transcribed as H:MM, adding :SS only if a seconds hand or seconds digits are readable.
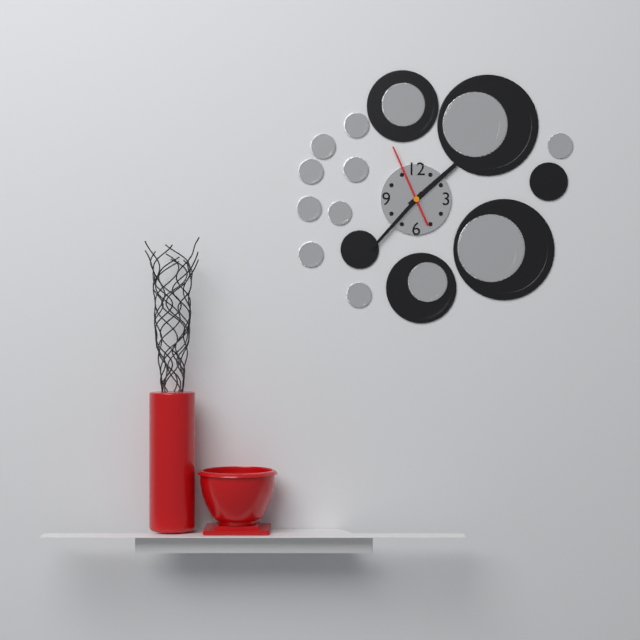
1:37:56
